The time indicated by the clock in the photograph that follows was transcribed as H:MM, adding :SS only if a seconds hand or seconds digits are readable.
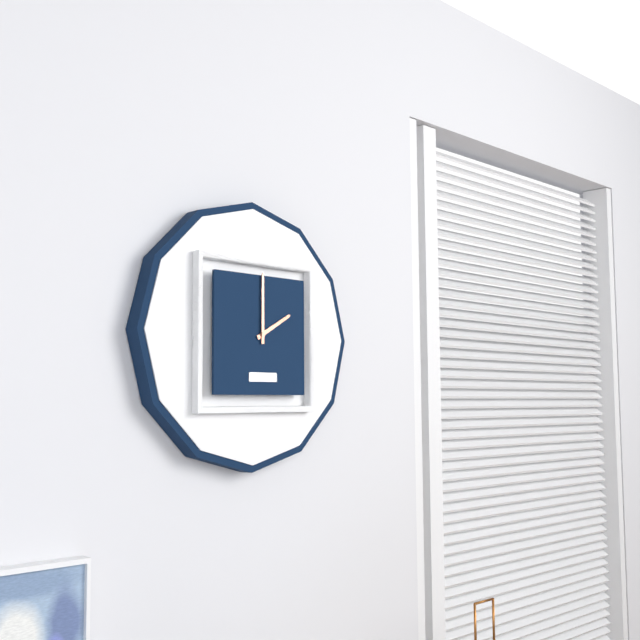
2:00
